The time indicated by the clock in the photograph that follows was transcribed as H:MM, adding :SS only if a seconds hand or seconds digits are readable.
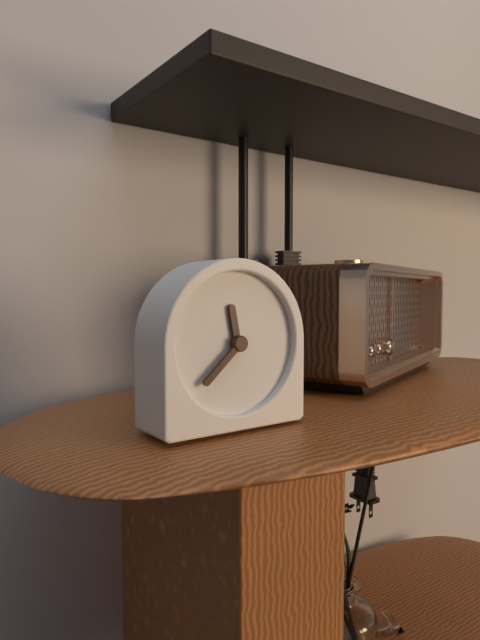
11:38
